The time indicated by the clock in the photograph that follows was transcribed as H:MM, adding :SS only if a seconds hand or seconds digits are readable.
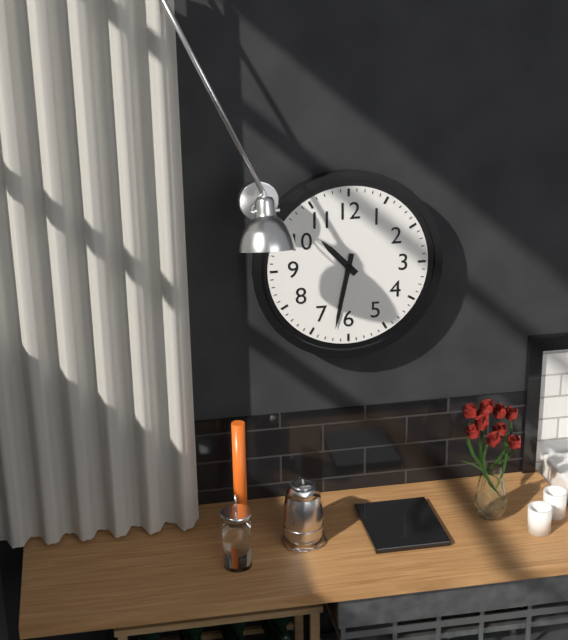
10:32
